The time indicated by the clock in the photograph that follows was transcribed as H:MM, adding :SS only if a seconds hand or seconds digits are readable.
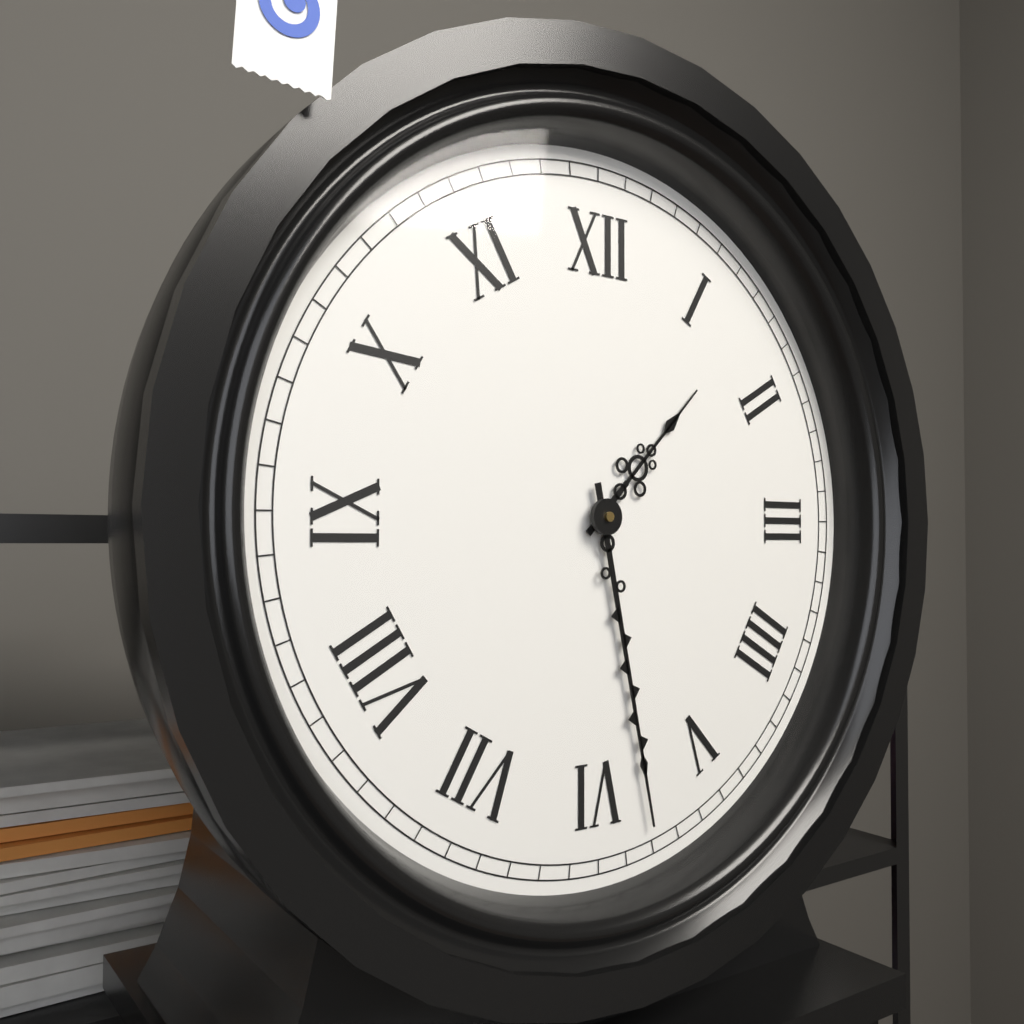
1:28
